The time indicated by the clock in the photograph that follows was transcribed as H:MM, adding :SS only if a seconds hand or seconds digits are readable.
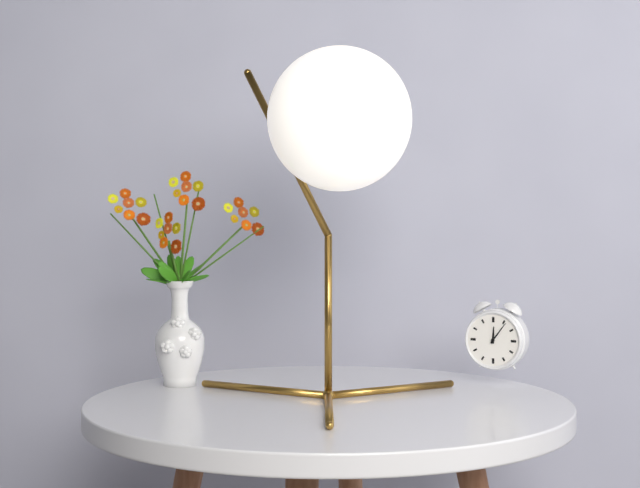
12:06
